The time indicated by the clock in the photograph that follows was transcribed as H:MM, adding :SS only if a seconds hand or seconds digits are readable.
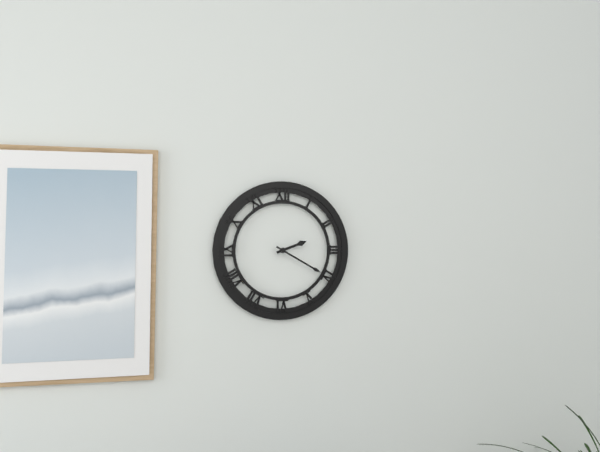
2:20
